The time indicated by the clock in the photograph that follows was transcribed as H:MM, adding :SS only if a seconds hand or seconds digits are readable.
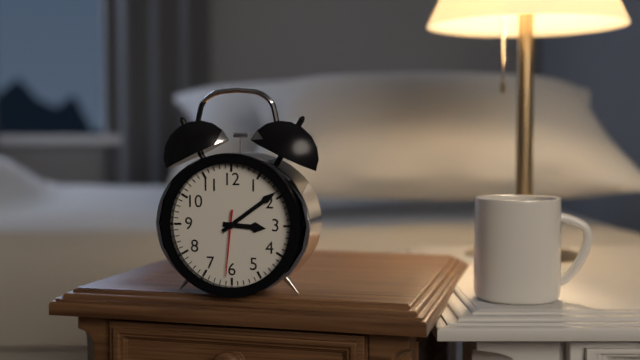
3:09:31
